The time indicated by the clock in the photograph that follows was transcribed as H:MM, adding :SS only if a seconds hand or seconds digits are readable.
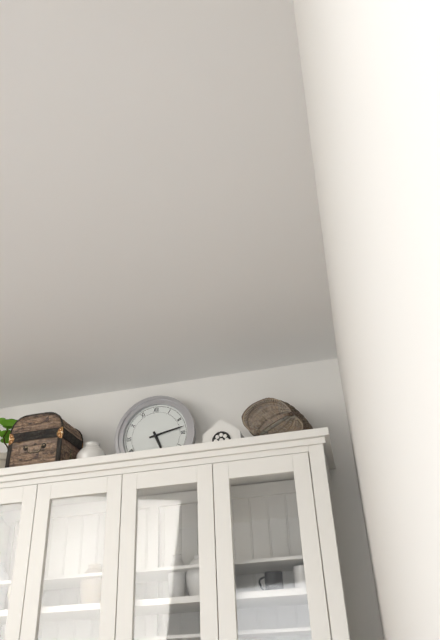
5:13
